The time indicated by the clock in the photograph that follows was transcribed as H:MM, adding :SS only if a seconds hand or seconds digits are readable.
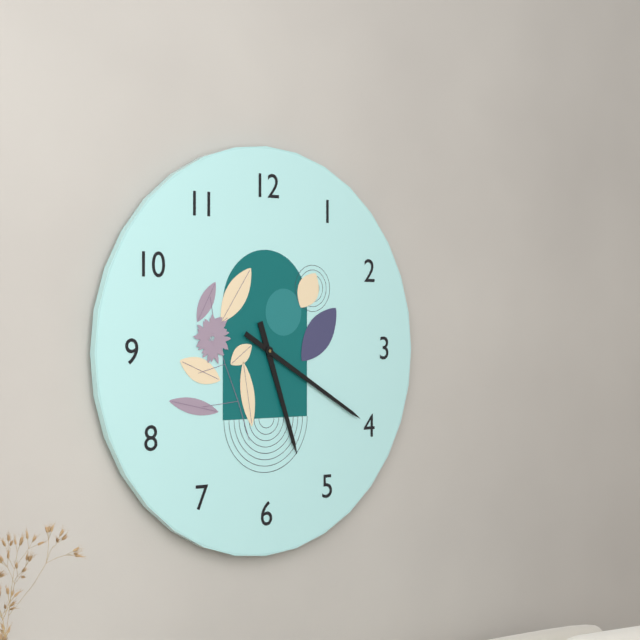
5:20
